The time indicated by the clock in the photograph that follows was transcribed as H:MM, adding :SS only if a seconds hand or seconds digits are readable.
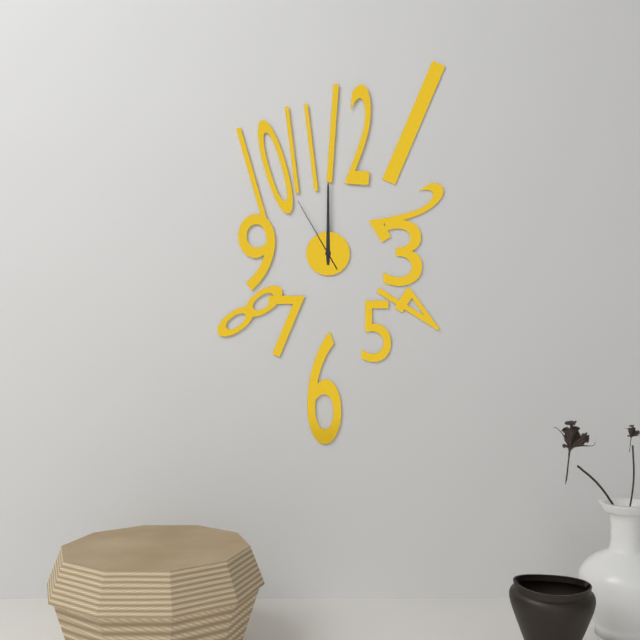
12:00:55
